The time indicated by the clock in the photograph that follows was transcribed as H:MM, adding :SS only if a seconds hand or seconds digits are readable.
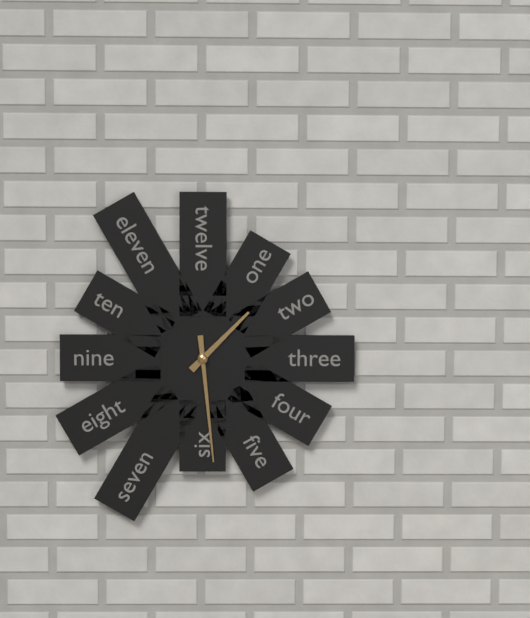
1:29
